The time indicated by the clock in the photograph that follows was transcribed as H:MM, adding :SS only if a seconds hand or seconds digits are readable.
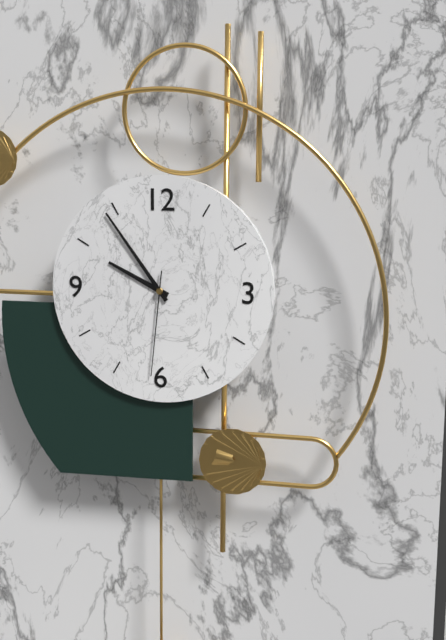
9:54:31
